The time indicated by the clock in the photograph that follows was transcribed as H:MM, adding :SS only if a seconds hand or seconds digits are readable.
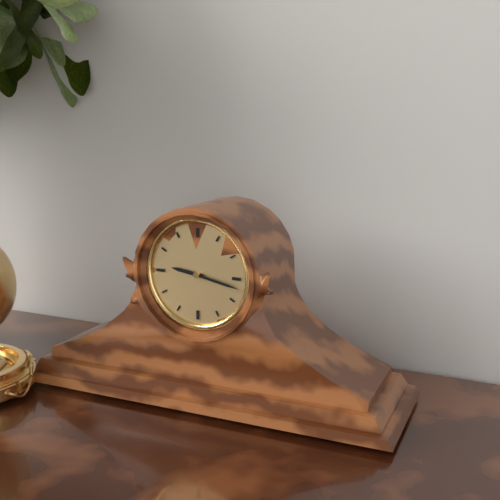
9:17
